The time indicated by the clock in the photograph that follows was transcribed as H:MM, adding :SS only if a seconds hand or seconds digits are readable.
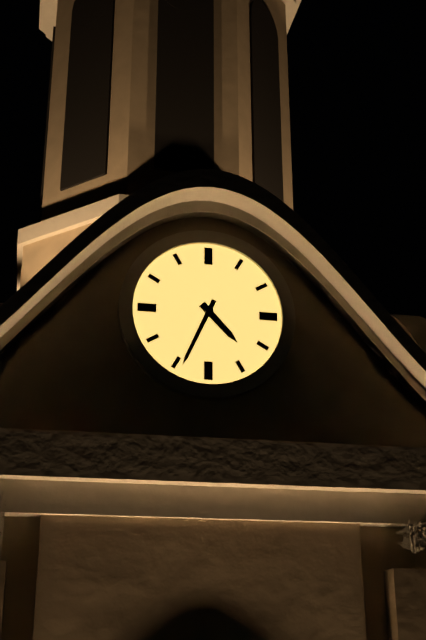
4:34
